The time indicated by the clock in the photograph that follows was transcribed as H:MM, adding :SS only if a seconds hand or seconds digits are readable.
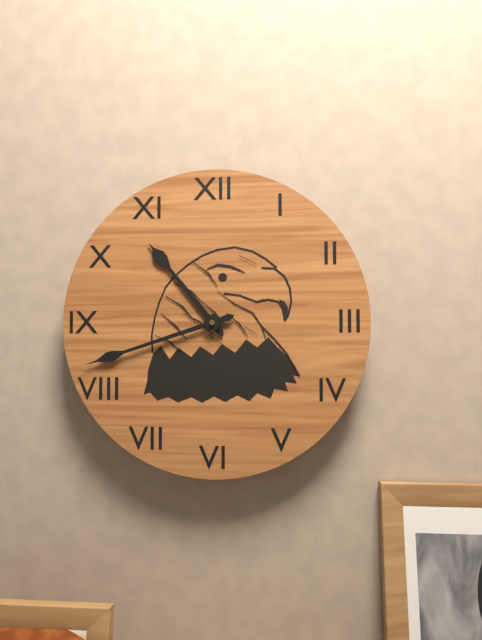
10:42
